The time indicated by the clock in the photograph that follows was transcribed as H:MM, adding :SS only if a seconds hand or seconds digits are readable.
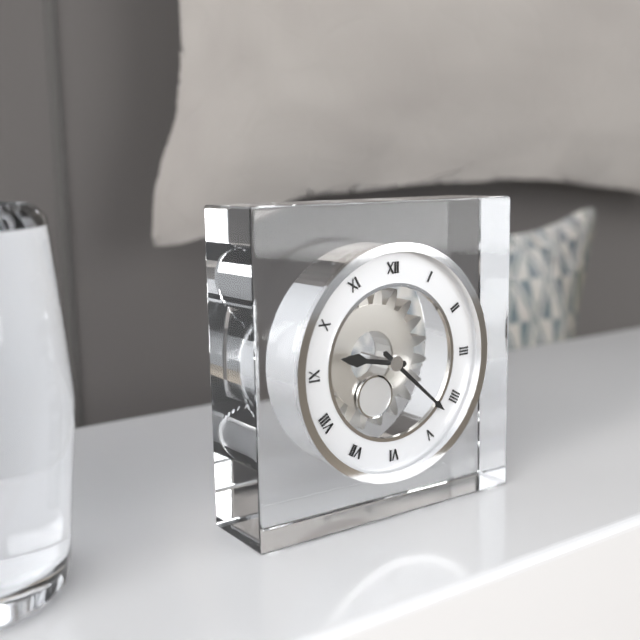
9:22
